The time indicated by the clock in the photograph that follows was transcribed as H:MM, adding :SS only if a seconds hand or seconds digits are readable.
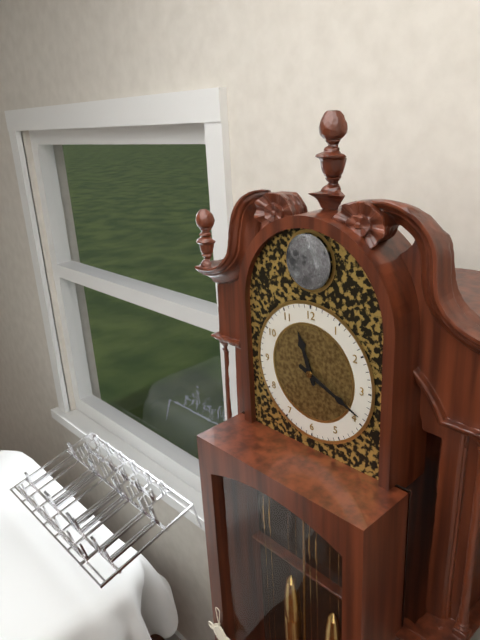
11:19
